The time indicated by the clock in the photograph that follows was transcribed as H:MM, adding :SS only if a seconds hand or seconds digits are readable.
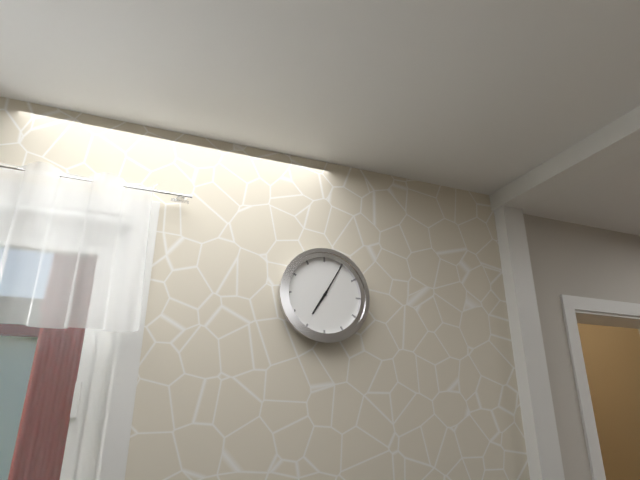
7:05
